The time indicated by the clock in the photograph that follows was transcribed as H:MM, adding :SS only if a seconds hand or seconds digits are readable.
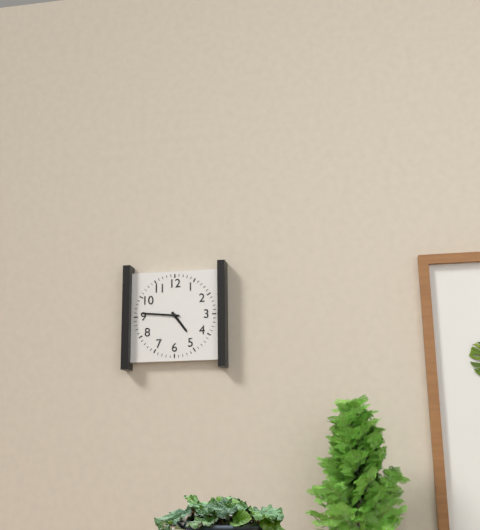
4:46
